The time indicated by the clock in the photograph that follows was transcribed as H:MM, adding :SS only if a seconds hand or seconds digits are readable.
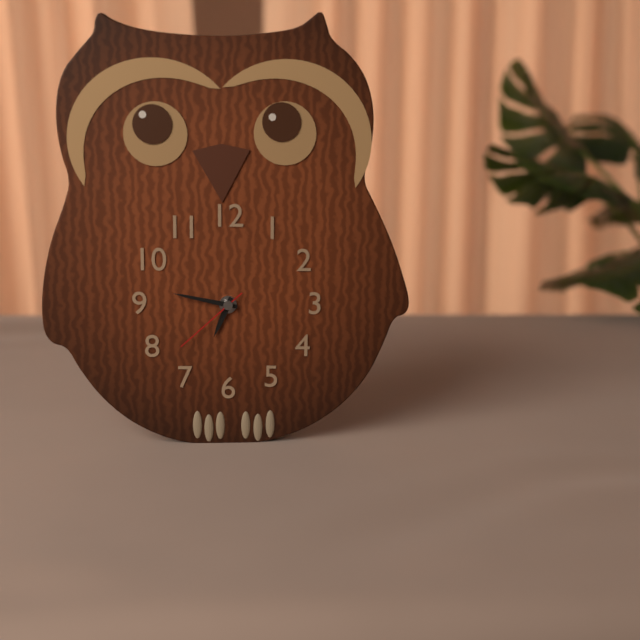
6:47:38
